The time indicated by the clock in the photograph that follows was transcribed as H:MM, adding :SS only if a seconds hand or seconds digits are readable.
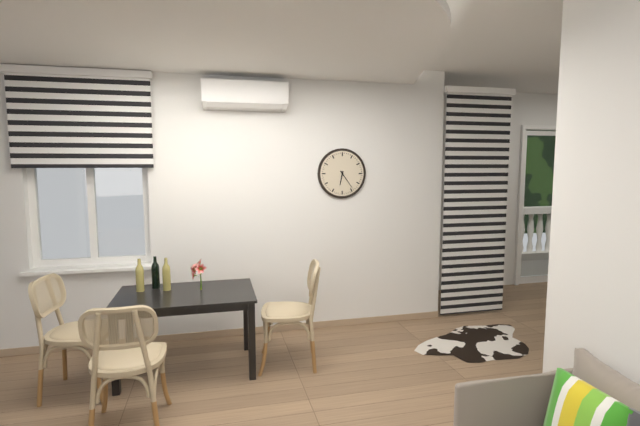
6:24
